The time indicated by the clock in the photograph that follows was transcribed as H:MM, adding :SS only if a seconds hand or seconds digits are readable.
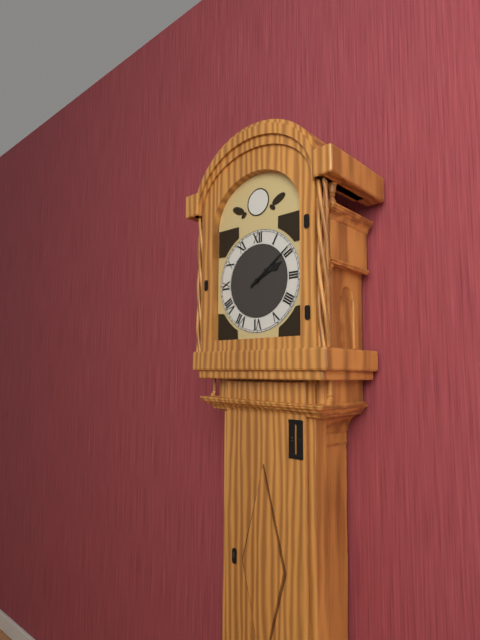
2:09
